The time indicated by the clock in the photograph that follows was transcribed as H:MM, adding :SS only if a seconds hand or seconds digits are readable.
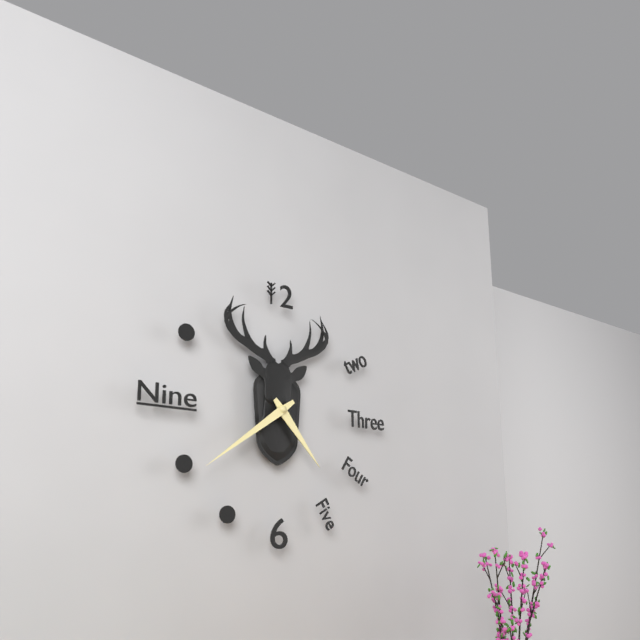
4:39
